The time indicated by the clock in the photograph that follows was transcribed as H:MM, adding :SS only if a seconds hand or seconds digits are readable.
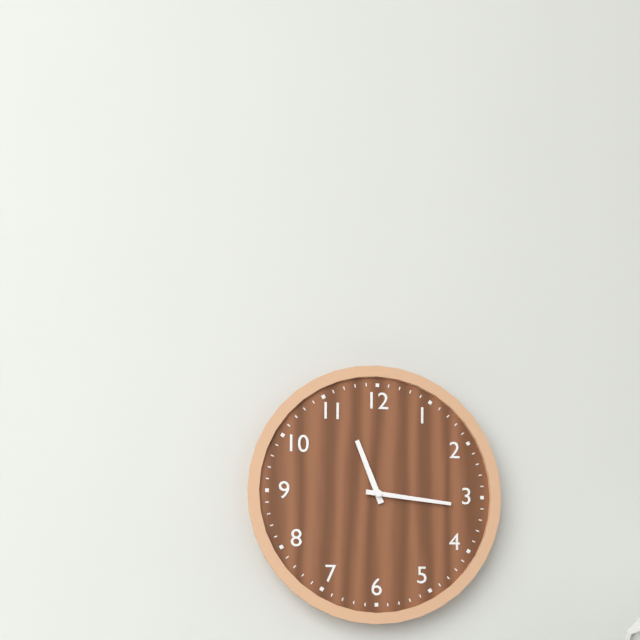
11:16
